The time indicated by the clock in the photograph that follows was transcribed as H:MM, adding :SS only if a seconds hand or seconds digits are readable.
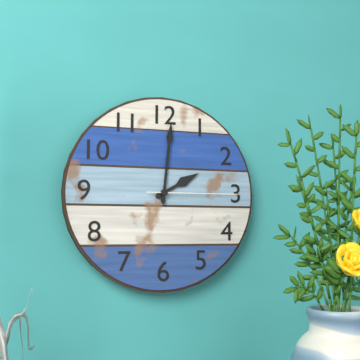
2:01:15
